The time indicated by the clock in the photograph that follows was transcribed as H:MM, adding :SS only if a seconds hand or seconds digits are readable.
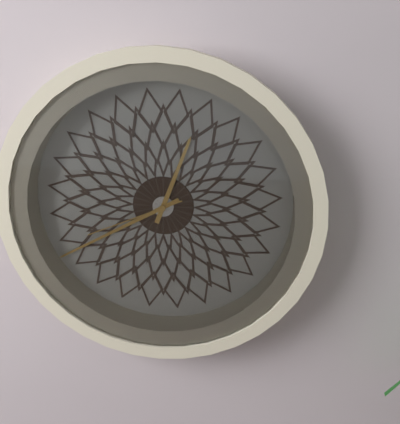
12:40:41
